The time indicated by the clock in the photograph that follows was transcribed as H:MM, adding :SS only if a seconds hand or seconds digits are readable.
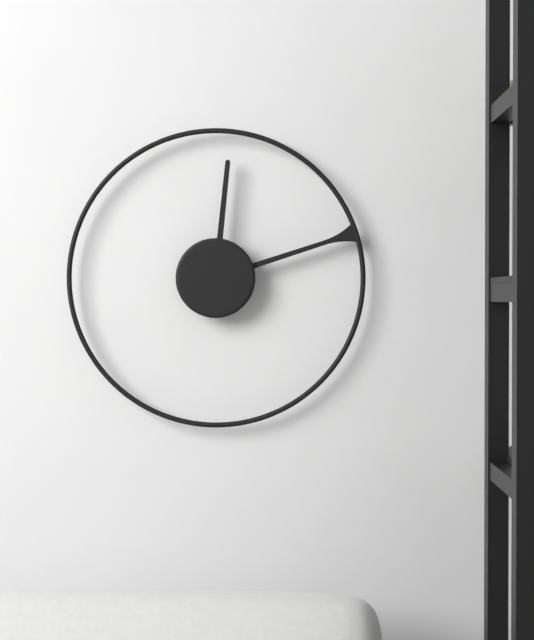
12:12
